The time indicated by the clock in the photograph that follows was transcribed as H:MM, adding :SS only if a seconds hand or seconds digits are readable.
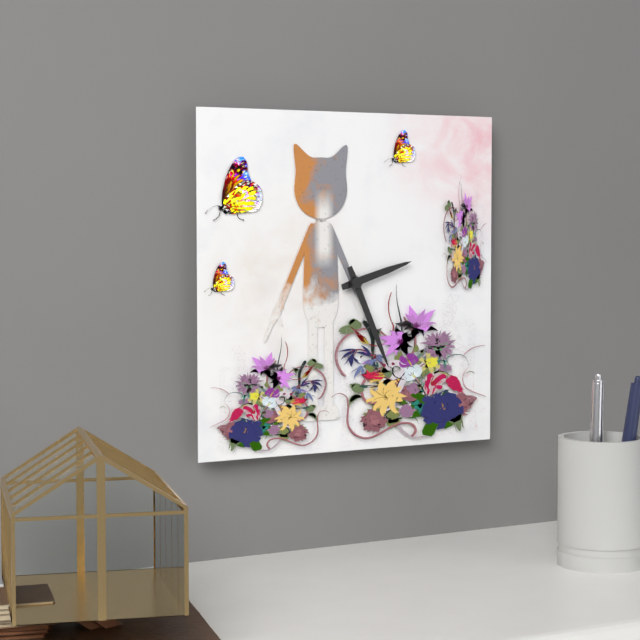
2:26
